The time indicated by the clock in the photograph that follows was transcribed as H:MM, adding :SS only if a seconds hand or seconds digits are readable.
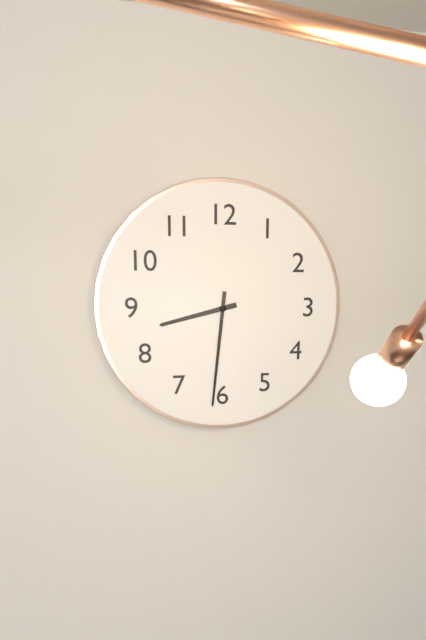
8:31
